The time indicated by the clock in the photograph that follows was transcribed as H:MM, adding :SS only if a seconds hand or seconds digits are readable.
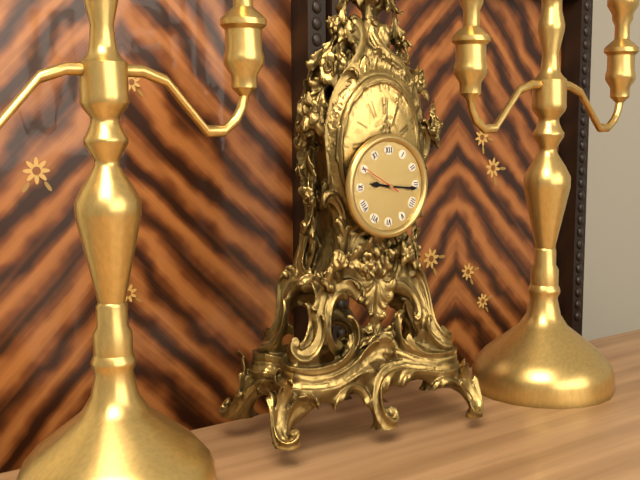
9:16
